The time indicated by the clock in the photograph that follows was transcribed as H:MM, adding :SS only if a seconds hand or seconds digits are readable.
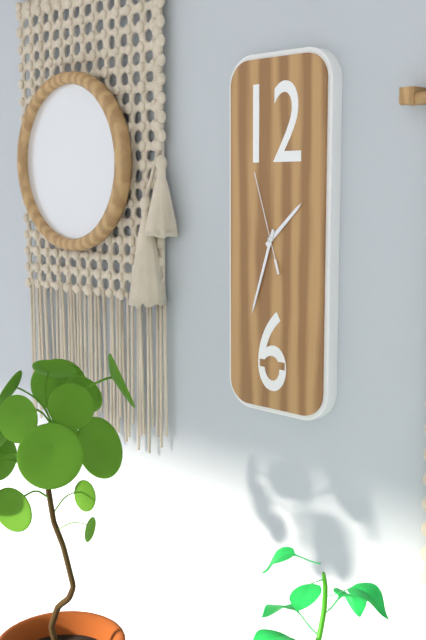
1:33:57
